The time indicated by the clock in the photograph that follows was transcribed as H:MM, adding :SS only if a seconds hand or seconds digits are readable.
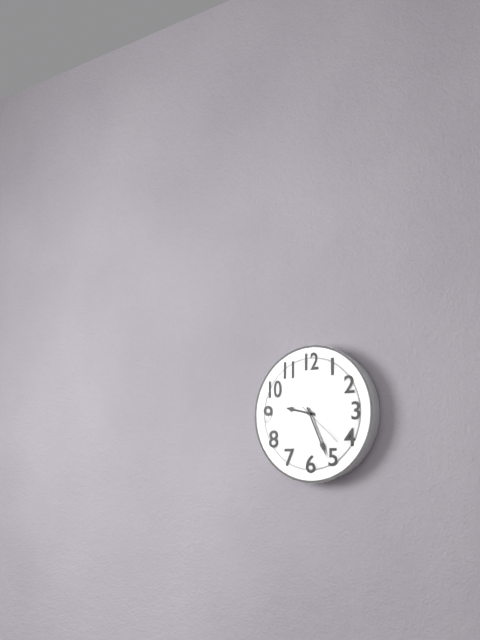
9:26:22
